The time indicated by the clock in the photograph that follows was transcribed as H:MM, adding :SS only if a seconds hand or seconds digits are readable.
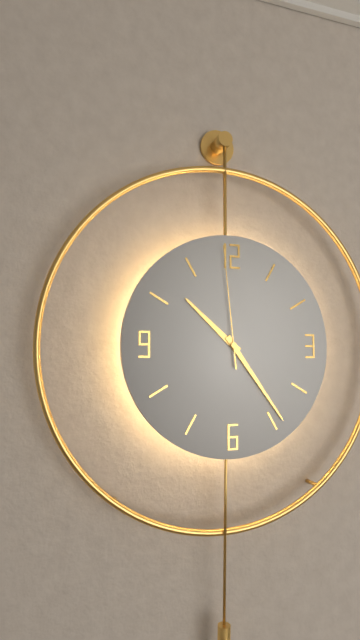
10:24:59
